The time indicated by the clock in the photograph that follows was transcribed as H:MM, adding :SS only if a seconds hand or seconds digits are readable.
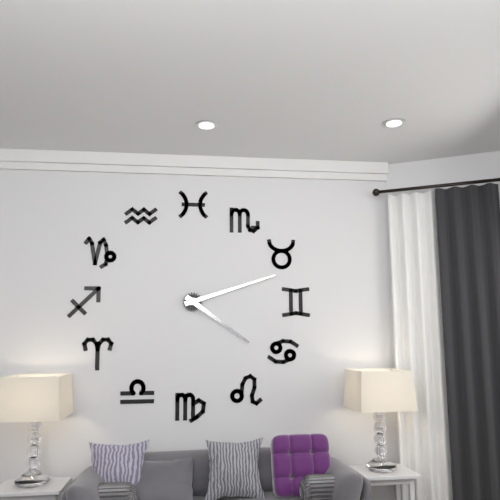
4:12
